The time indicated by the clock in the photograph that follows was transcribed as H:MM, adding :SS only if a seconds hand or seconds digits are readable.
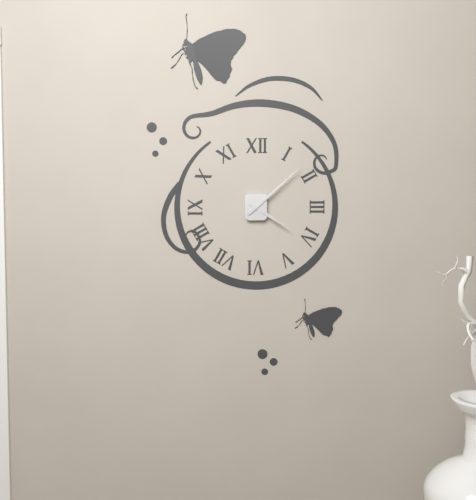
4:08
